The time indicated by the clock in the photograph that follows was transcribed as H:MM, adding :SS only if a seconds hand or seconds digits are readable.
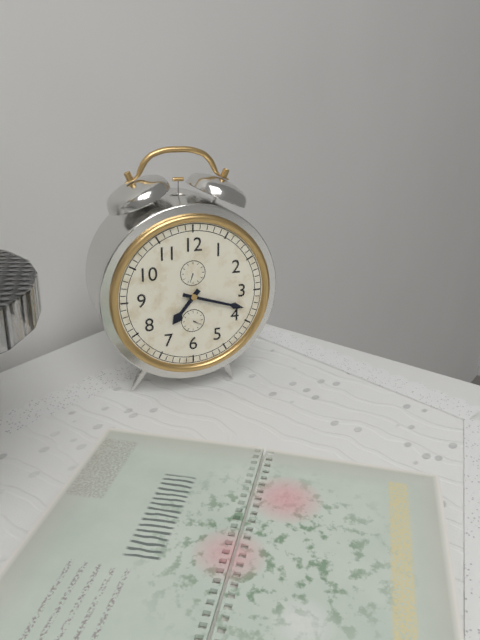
7:18
